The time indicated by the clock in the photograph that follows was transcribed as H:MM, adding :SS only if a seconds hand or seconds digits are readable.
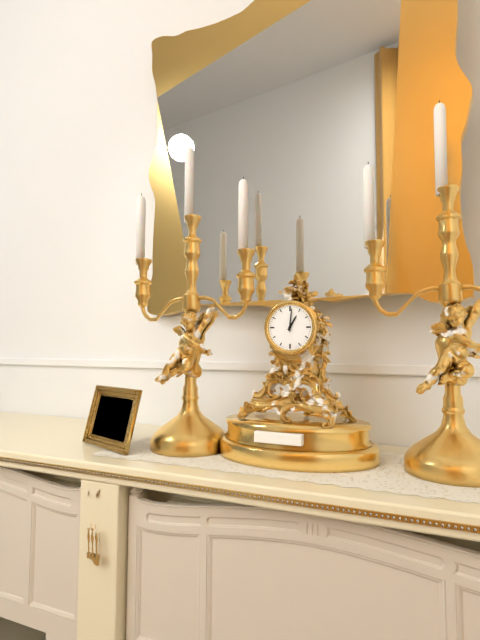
1:01
